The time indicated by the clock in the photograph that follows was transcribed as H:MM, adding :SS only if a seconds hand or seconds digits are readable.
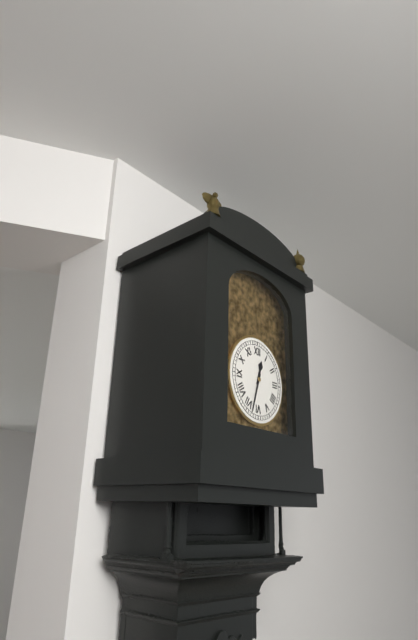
12:33
